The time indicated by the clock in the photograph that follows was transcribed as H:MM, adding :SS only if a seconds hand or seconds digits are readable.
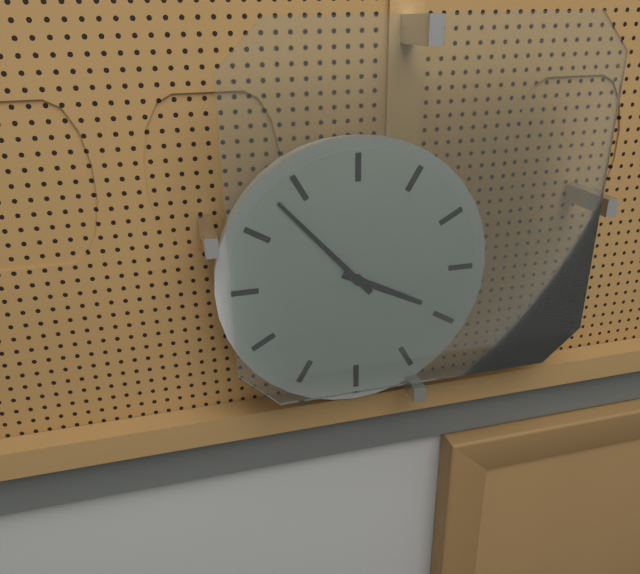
3:53
